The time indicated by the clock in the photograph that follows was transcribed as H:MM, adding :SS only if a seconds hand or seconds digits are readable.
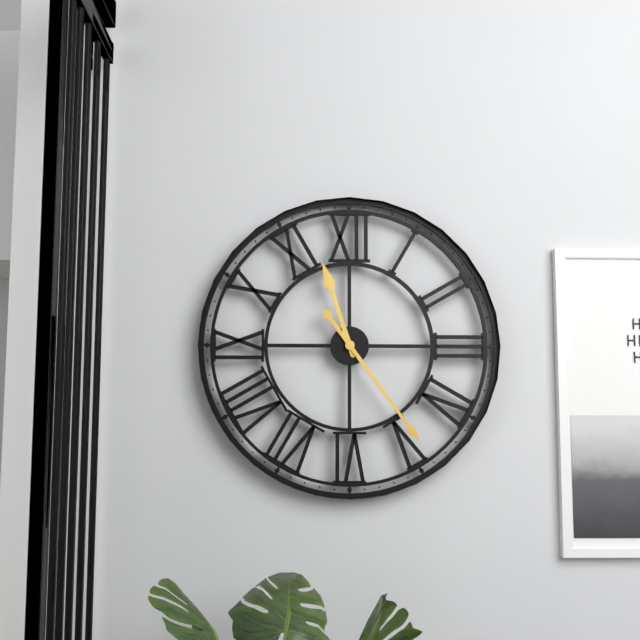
11:24
